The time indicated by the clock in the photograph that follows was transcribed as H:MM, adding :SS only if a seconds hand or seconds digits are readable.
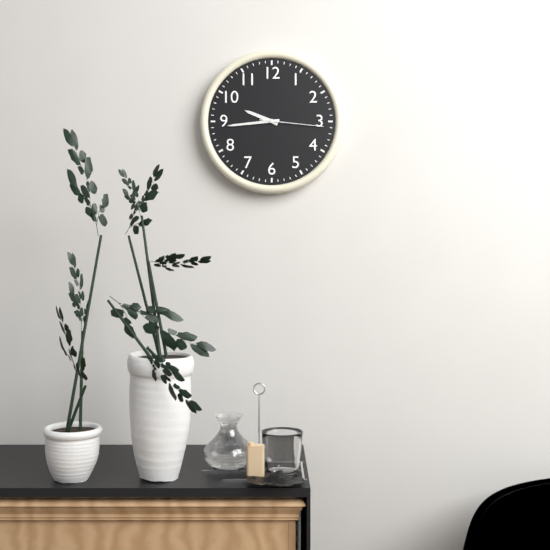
9:44:16
